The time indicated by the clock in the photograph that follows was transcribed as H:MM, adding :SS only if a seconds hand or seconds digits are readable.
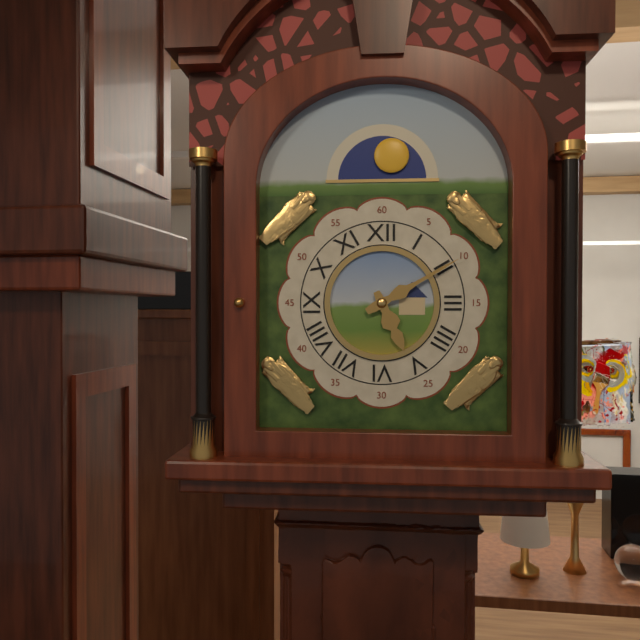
5:10
